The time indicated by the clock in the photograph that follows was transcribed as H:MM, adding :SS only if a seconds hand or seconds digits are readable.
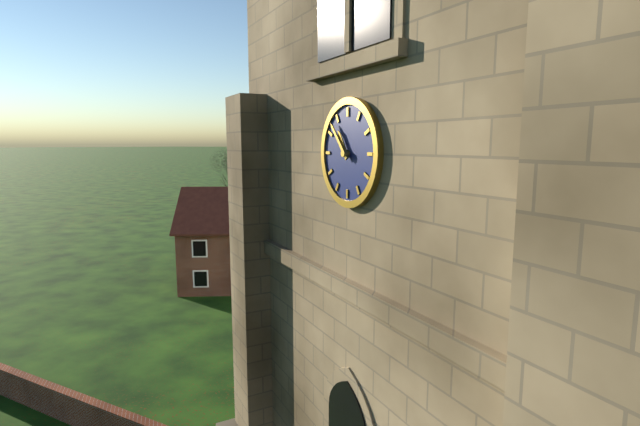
10:53
